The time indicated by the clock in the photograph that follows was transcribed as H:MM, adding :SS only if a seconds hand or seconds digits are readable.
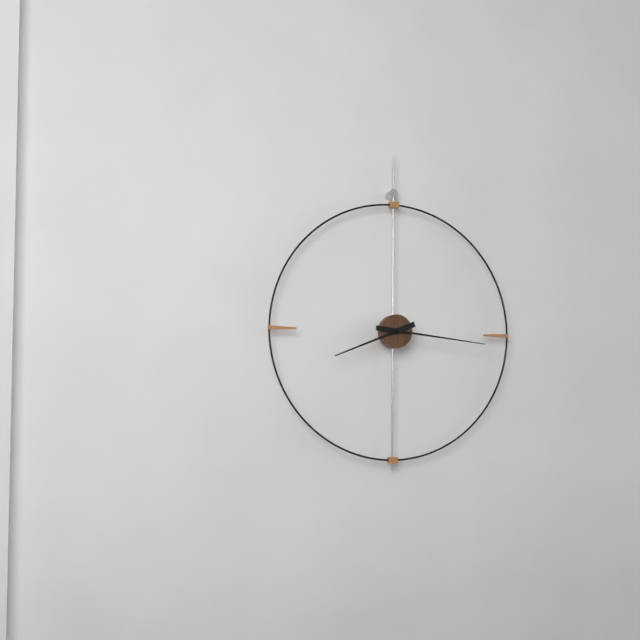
8:16
